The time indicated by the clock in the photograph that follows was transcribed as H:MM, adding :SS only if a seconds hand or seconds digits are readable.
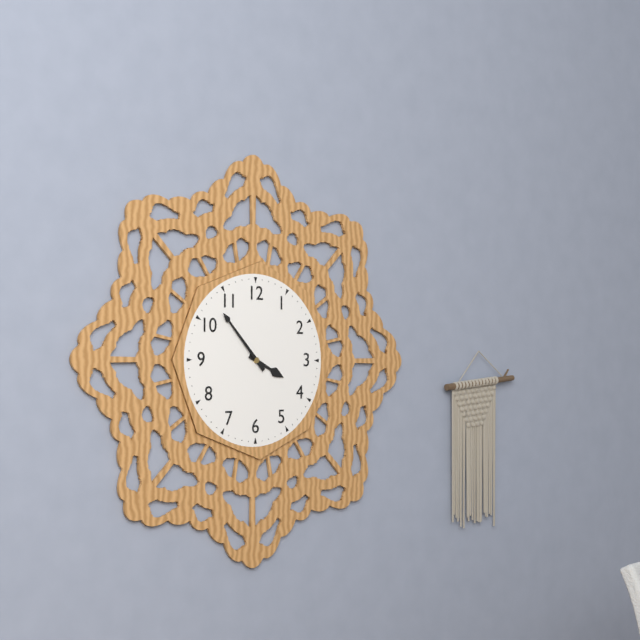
3:53
